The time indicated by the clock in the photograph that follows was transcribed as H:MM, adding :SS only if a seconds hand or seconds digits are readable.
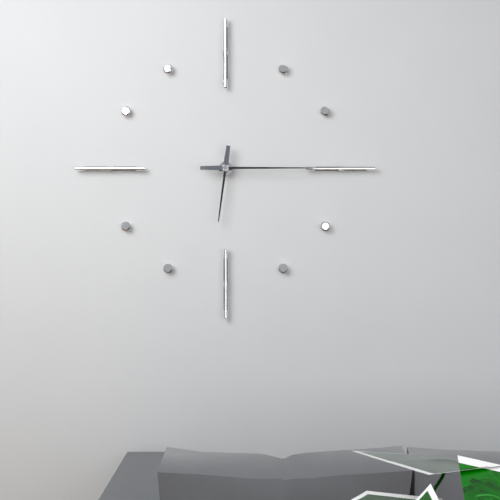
6:15
